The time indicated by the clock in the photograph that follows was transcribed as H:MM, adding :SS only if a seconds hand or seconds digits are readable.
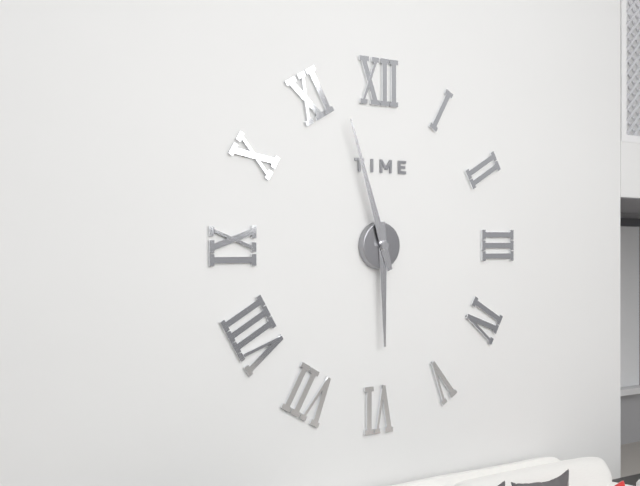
5:57
